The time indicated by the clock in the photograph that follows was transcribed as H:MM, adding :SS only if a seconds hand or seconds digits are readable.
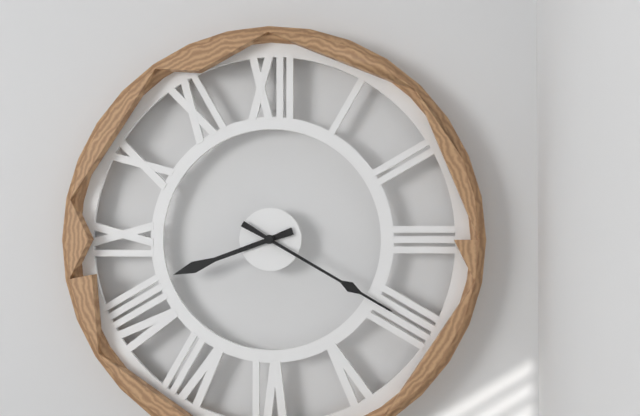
8:20
